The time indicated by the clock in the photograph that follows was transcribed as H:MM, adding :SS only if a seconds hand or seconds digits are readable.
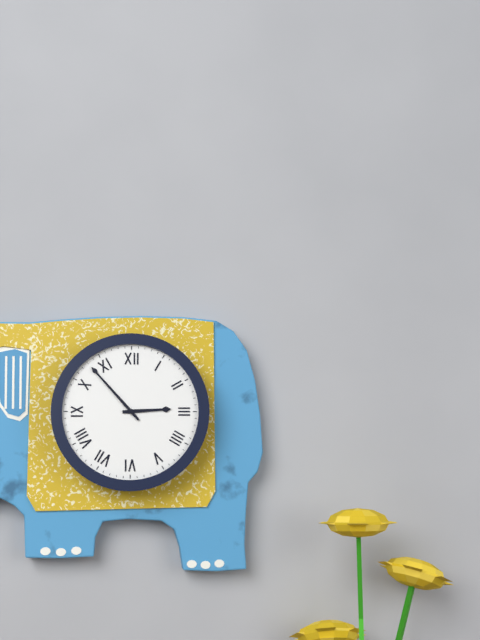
2:53
